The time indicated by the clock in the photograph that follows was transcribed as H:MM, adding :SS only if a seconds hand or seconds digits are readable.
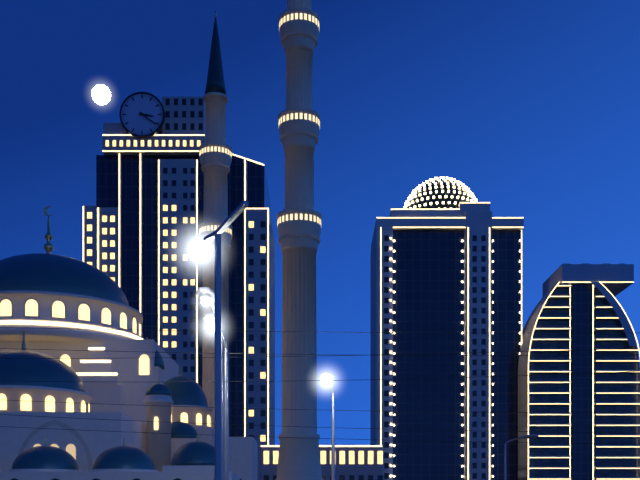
3:21
